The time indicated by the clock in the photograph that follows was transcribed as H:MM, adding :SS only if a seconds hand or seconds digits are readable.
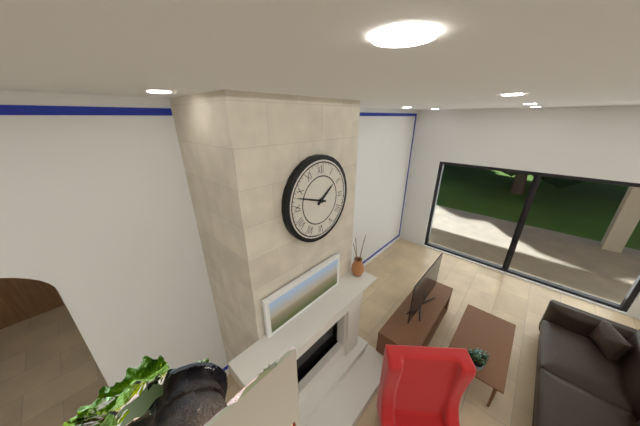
1:48
